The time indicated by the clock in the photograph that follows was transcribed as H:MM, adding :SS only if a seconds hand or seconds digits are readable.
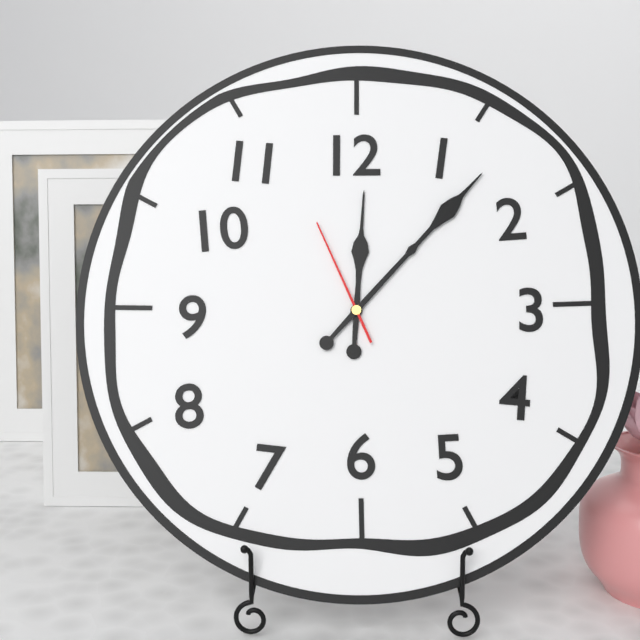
12:07:56
